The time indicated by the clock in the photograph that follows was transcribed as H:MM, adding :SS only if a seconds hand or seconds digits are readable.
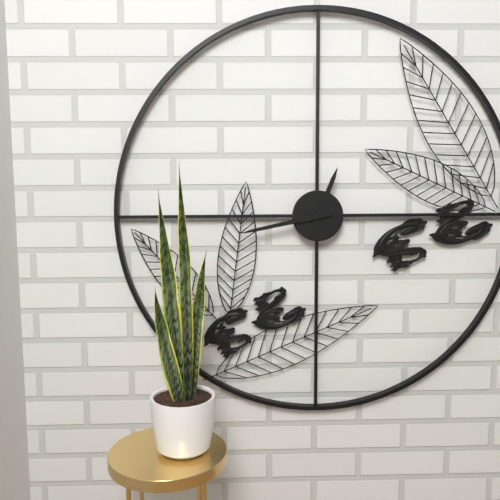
12:43
